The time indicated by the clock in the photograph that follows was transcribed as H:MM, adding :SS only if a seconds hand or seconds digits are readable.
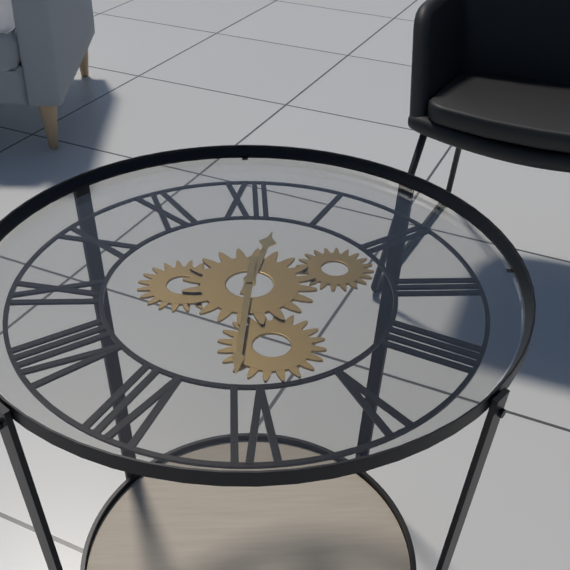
12:31
